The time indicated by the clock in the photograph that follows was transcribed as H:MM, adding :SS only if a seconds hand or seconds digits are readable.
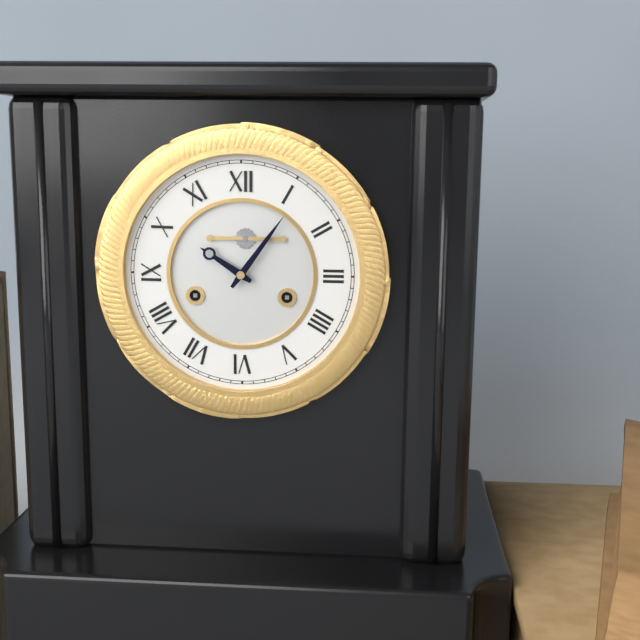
10:06
